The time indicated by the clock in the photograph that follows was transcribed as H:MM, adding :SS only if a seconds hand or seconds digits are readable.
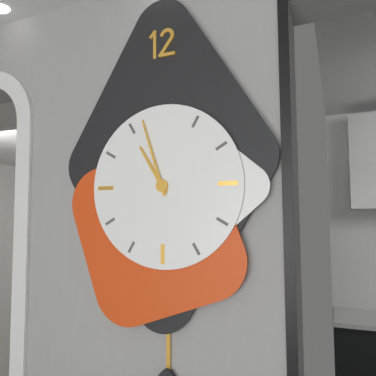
10:57
